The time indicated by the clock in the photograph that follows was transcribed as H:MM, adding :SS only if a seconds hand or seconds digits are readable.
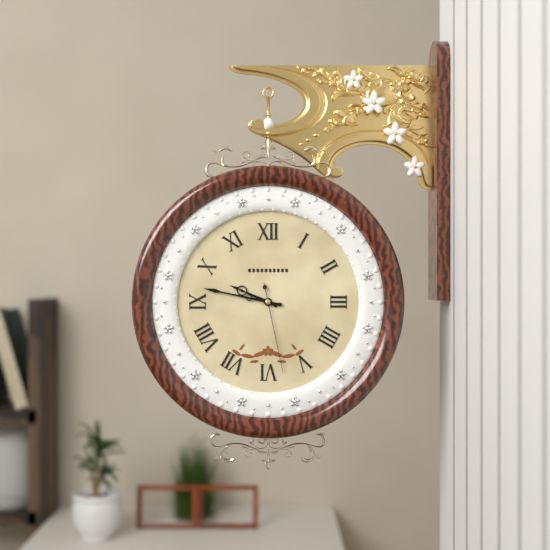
9:47:28
